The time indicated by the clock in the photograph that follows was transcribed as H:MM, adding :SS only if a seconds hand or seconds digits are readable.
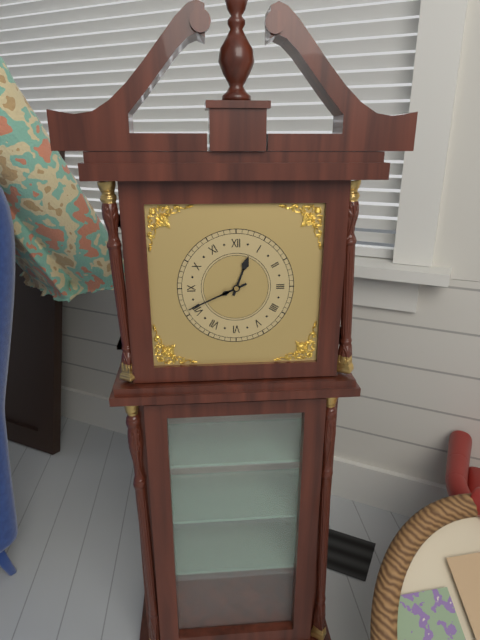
12:41
